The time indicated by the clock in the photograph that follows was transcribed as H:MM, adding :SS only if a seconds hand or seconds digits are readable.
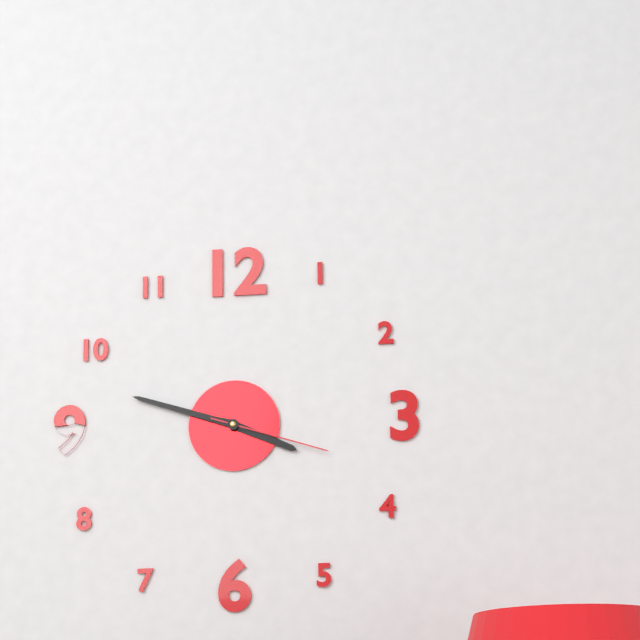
3:48:18
